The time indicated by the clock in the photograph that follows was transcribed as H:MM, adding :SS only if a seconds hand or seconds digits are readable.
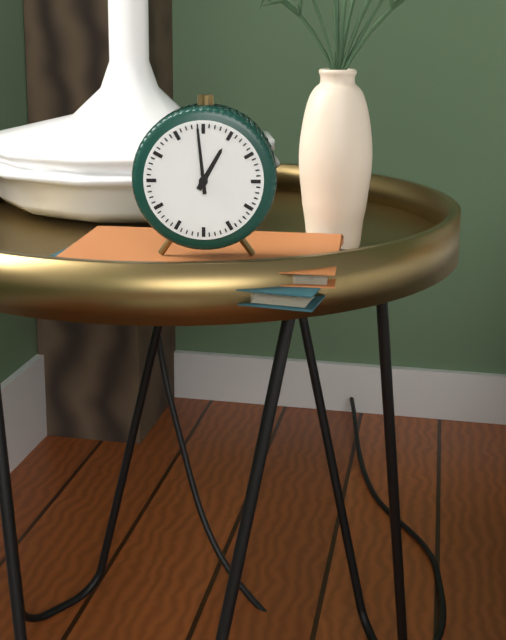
12:59
